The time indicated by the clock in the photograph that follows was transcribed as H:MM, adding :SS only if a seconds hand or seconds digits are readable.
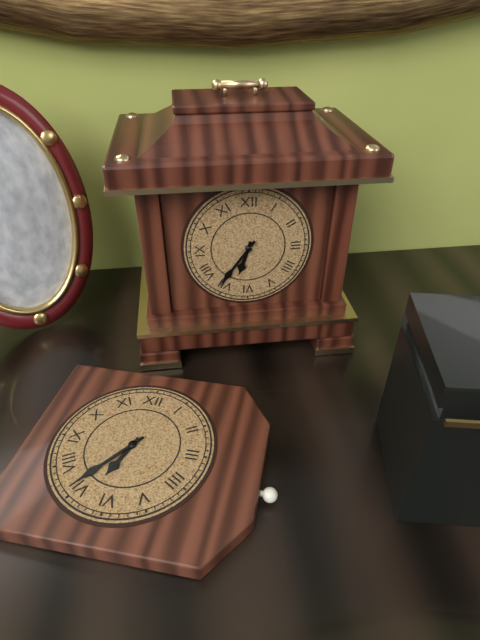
6:36
